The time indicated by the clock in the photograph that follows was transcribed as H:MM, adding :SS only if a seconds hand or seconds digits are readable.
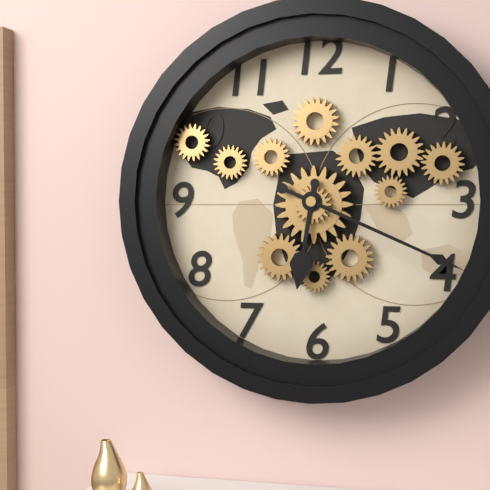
6:19
